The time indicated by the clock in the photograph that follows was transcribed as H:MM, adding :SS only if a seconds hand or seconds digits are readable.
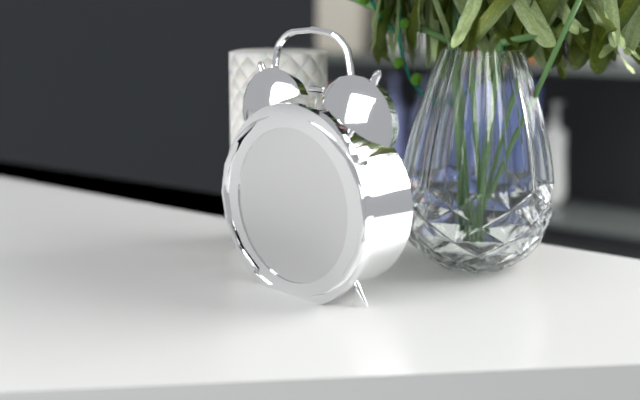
9:12:40
